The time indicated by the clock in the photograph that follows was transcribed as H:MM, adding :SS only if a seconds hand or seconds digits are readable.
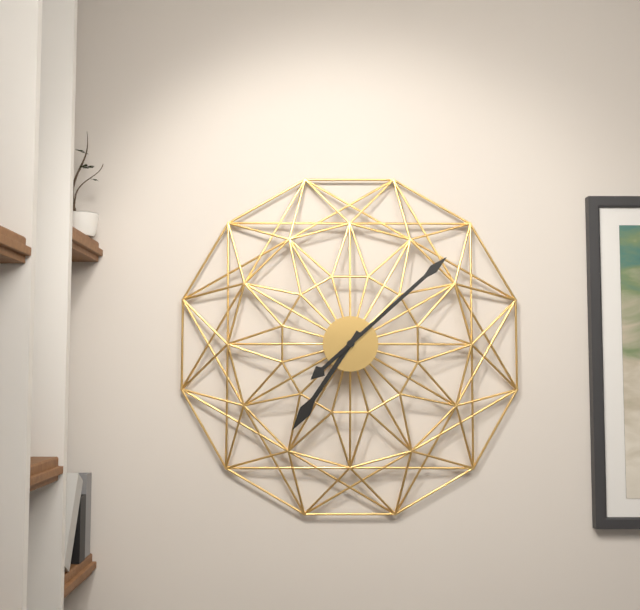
7:08
